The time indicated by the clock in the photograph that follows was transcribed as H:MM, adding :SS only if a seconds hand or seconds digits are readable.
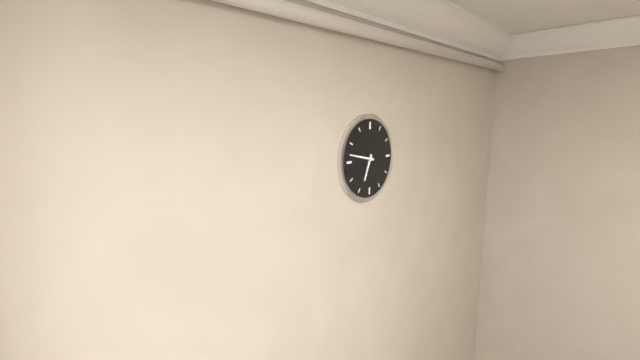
6:47
